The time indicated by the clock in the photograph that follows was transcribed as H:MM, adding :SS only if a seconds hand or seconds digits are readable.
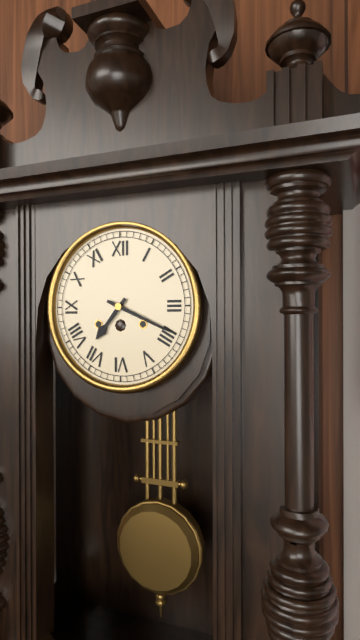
7:19
